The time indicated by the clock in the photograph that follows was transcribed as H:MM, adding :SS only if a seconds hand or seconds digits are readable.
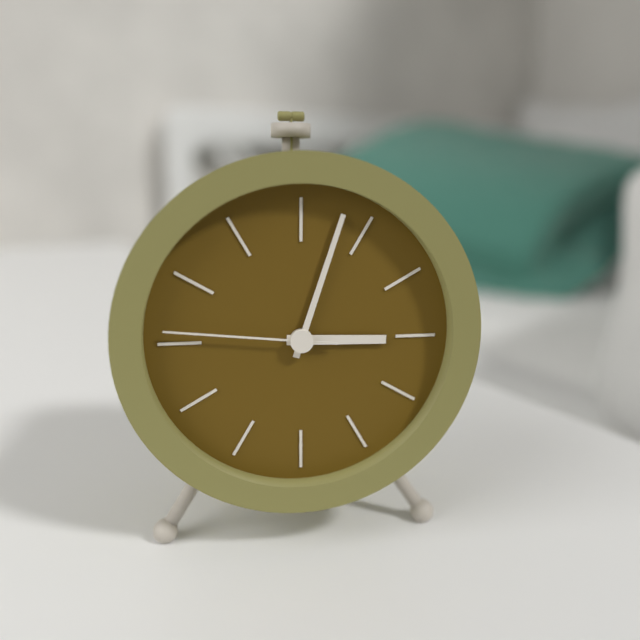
3:03:46
